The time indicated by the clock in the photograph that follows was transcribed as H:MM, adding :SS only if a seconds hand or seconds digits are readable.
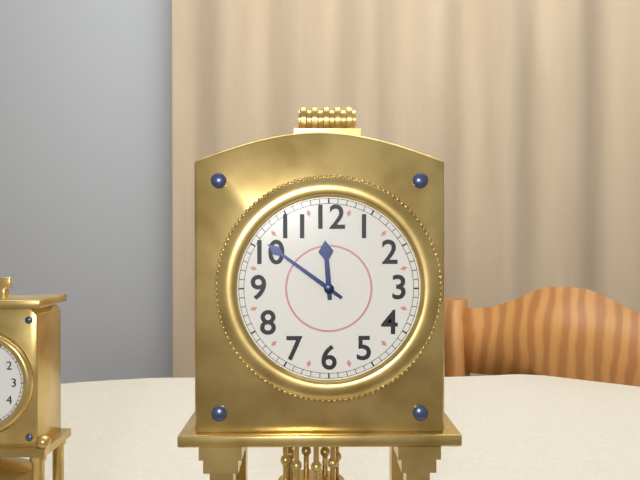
11:51
